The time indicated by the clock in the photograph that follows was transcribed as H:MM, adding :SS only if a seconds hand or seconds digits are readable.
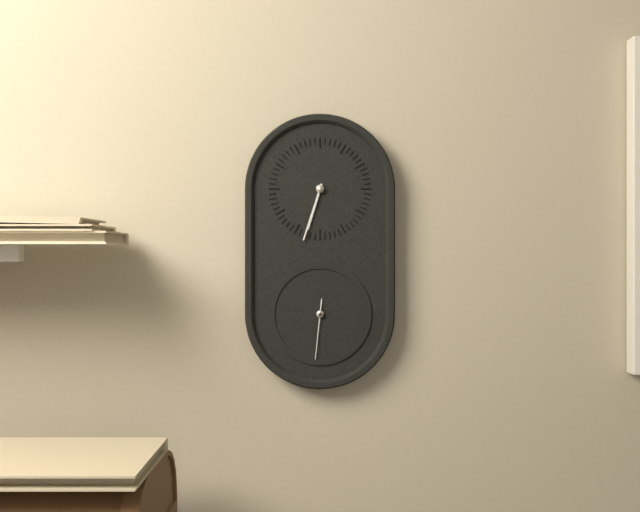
6:33:31
